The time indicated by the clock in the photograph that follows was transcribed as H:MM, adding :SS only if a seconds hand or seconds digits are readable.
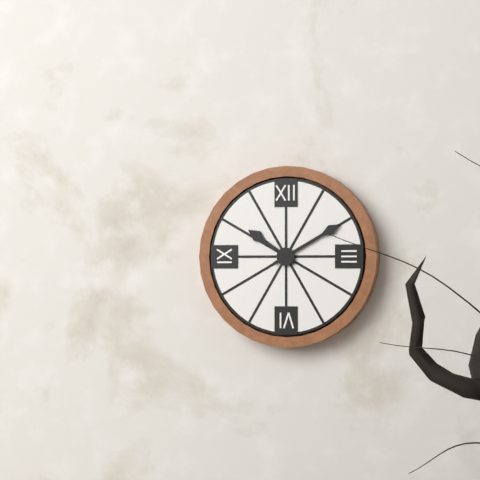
10:10
